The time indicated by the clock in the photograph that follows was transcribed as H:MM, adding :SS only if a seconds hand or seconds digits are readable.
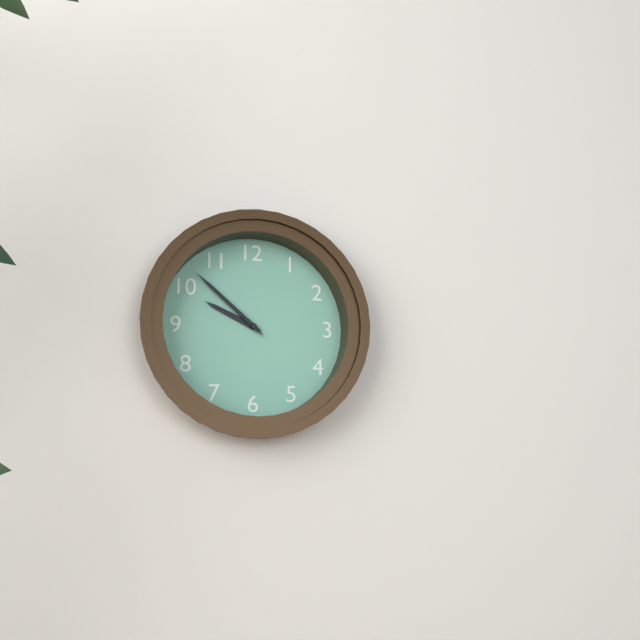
9:52
